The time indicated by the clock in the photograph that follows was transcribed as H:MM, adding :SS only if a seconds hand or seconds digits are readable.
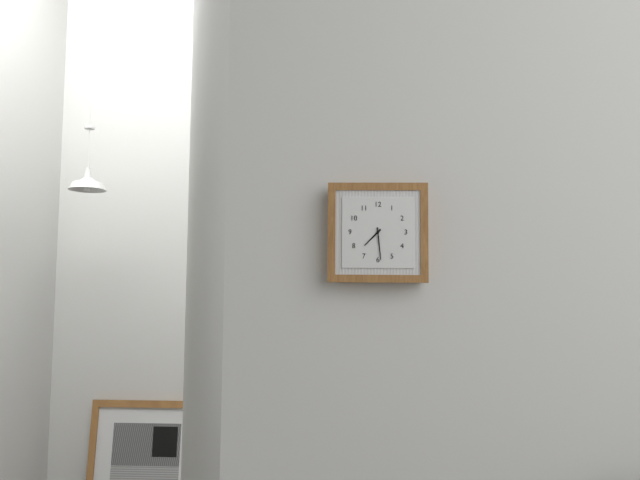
7:29
